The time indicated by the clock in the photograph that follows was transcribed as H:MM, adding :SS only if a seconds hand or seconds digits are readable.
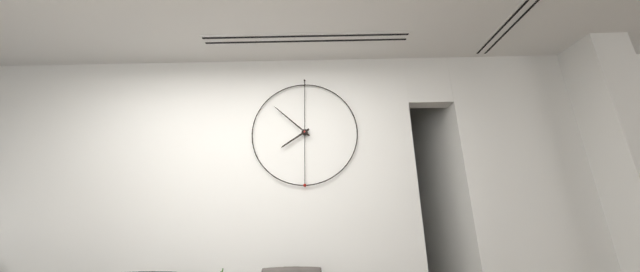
7:52
